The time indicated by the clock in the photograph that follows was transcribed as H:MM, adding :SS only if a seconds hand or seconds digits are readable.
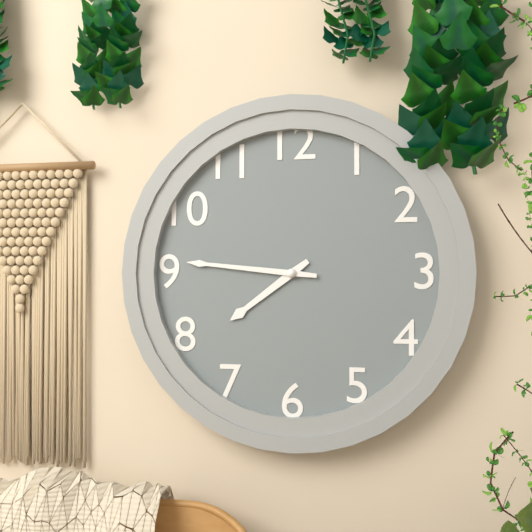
7:46
